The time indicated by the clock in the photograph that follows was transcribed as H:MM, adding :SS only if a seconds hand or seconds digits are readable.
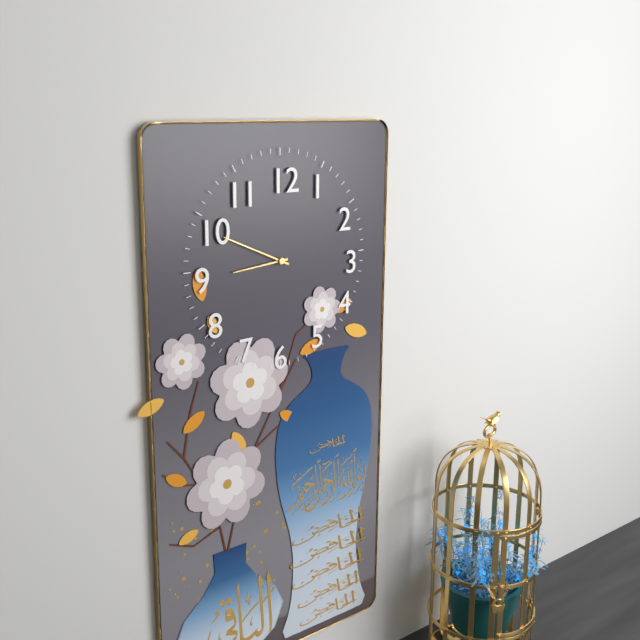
8:49
